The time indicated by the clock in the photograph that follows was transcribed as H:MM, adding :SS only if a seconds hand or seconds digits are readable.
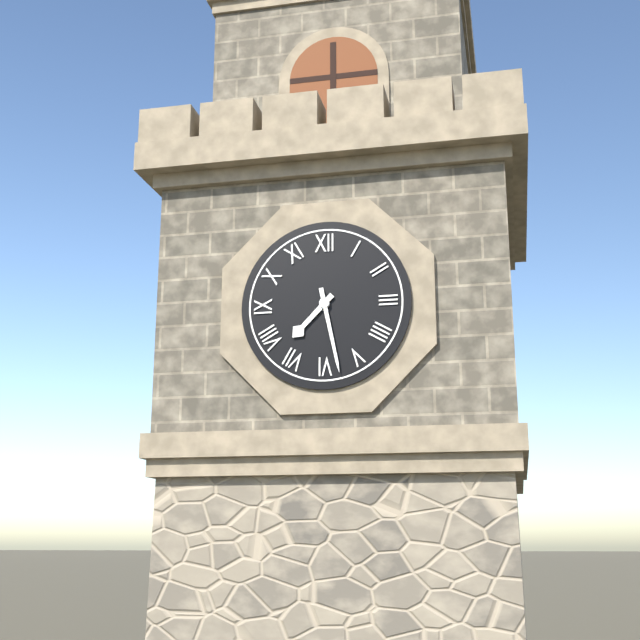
7:28
